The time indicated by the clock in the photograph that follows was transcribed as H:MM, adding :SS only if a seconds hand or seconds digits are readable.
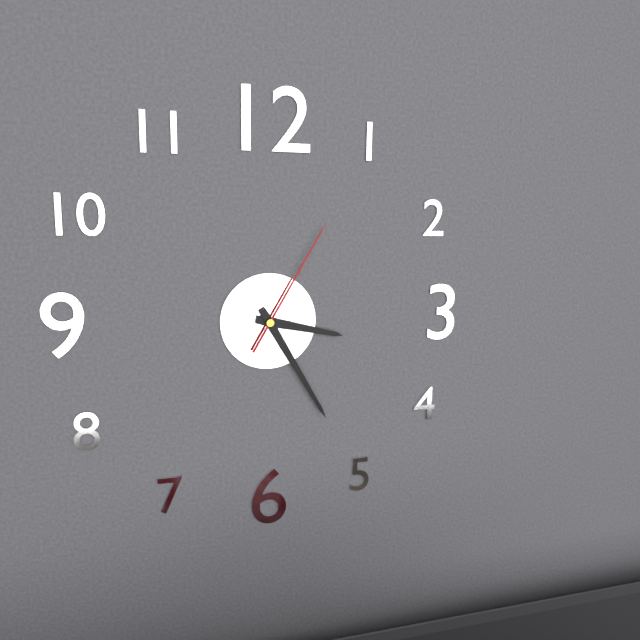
3:25:05
